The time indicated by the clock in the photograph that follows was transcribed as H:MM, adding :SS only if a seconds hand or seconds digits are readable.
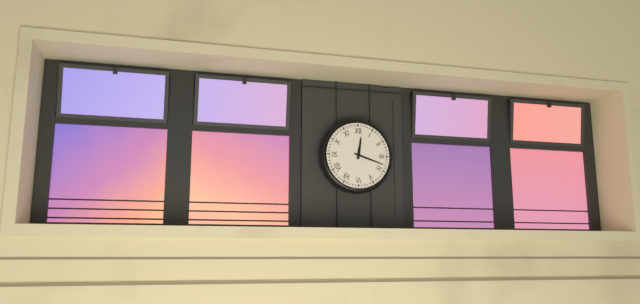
12:18
